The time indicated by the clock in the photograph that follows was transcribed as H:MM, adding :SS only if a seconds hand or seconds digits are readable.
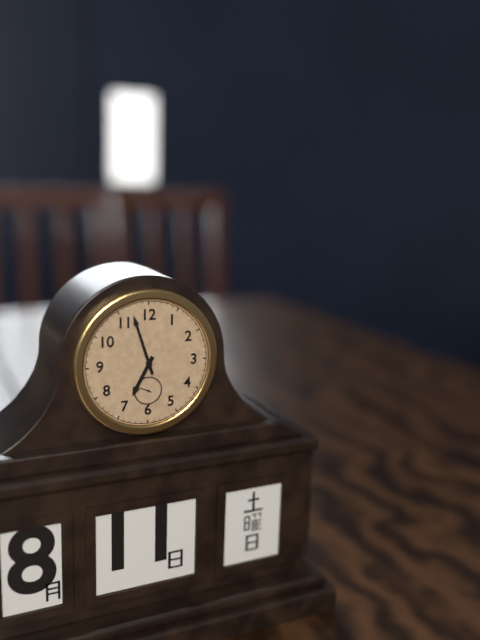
6:57
